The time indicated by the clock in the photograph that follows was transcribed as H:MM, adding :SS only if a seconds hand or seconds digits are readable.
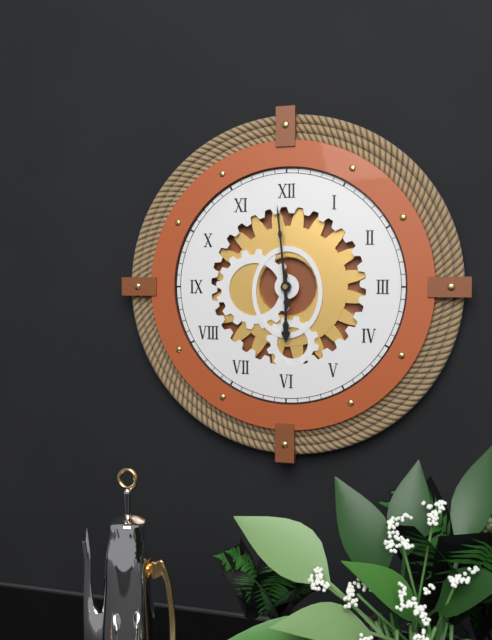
5:59
